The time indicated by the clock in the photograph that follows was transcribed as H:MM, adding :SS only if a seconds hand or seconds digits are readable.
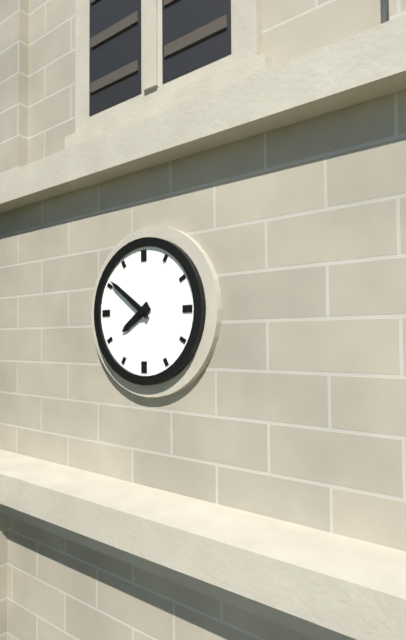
7:51
